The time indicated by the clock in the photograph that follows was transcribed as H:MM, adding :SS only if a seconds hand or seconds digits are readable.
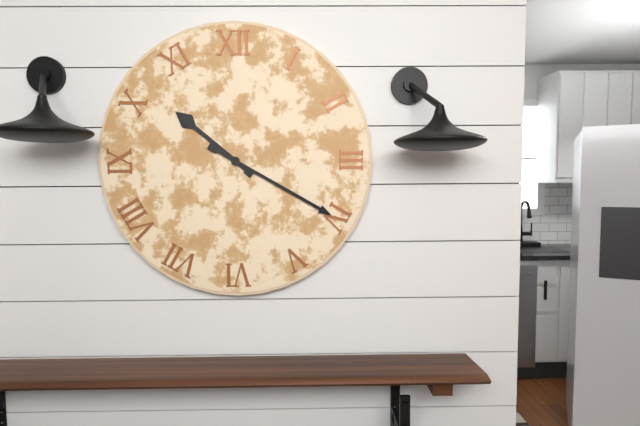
10:20
